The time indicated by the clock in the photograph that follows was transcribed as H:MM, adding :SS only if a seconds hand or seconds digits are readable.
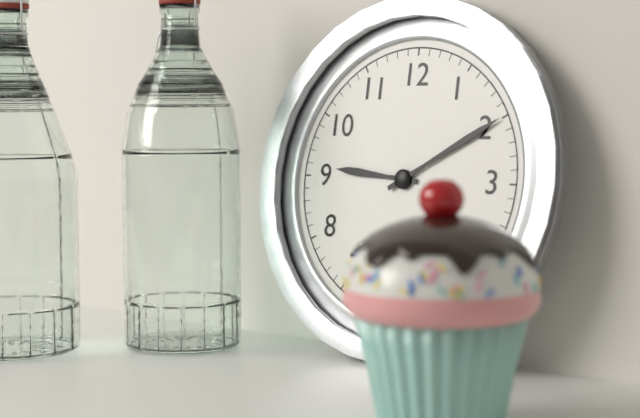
9:10
